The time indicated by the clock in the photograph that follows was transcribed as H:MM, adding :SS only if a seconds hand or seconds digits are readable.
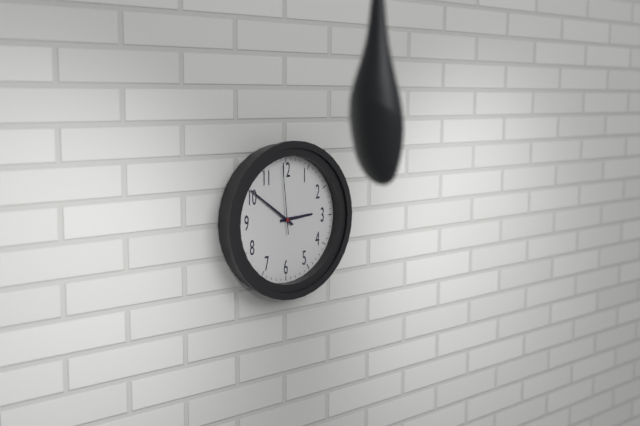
2:51:59
